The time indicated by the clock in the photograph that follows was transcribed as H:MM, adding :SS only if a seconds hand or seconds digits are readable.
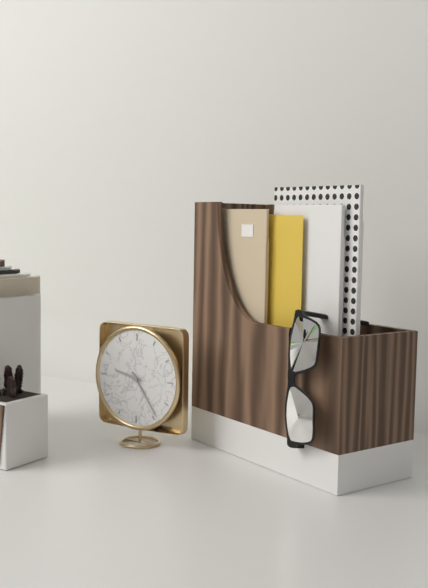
9:24
